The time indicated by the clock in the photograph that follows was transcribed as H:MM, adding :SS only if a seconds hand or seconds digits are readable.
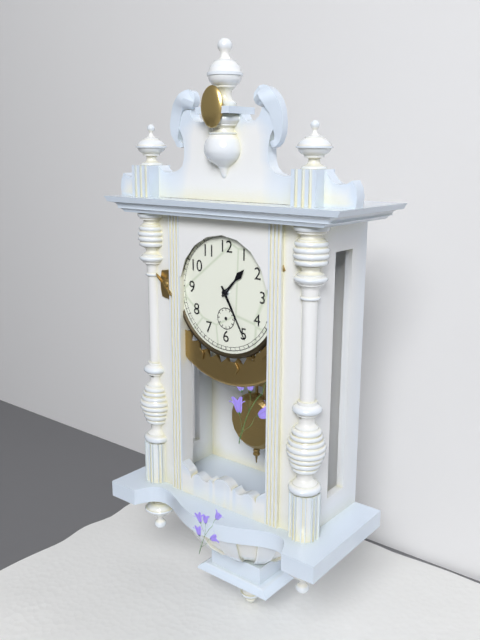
1:25
